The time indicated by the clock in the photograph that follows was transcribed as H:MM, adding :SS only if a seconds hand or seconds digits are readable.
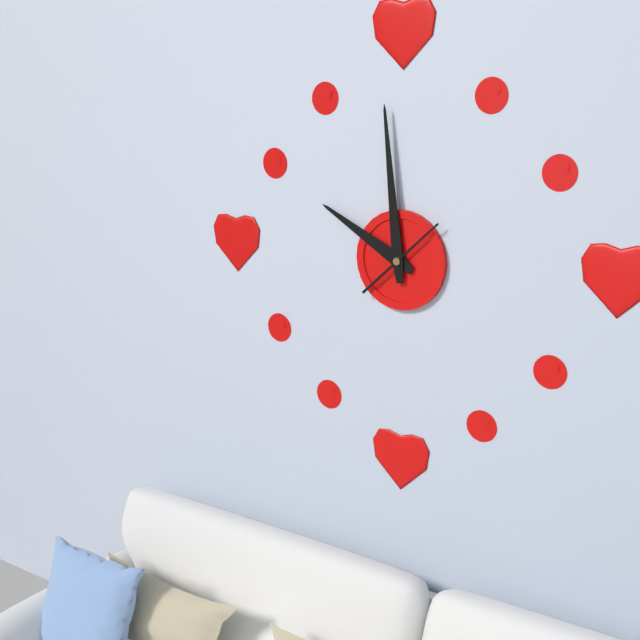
9:59:08
